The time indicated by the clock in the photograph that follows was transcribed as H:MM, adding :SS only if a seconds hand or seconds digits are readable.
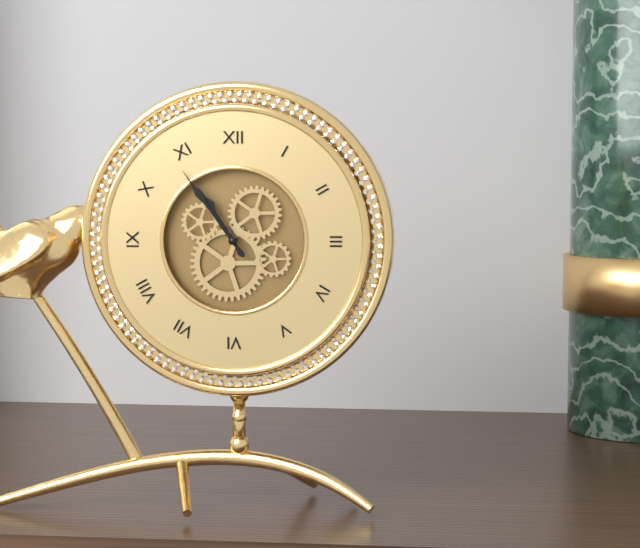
10:54
